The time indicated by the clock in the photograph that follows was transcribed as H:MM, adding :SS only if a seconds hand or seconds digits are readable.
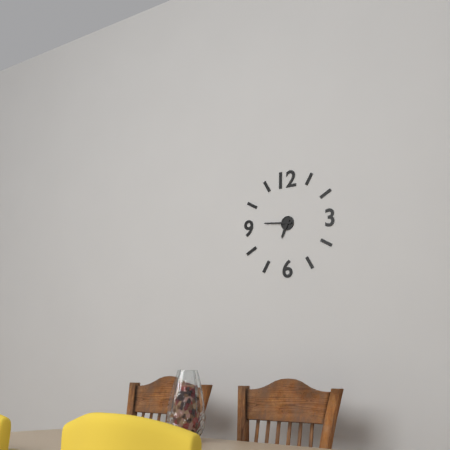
6:46
